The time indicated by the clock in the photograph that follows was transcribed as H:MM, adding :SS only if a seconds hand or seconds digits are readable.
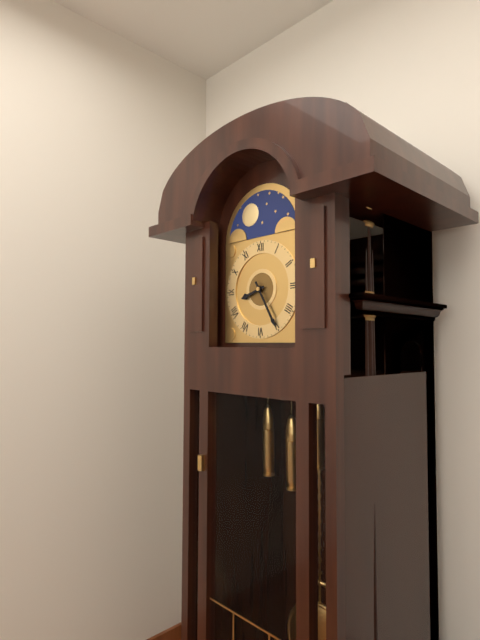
8:25
